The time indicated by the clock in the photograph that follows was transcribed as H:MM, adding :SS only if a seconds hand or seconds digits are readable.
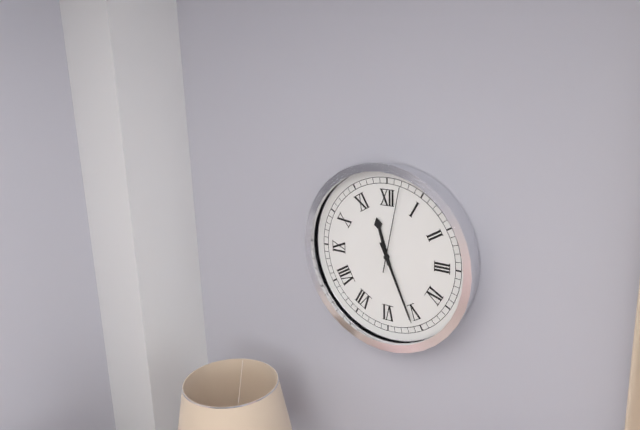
11:26:02
